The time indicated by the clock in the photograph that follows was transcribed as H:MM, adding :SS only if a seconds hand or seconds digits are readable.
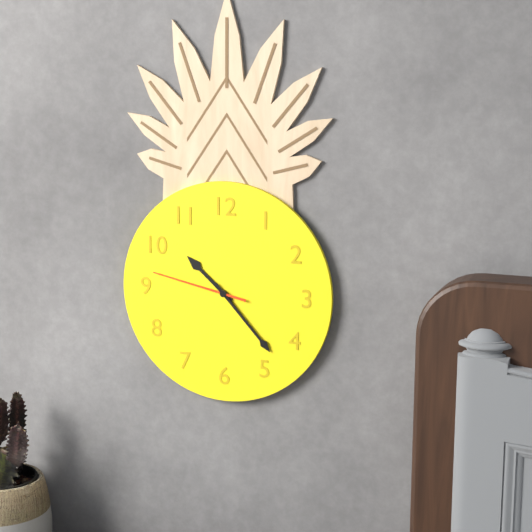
10:23:47
